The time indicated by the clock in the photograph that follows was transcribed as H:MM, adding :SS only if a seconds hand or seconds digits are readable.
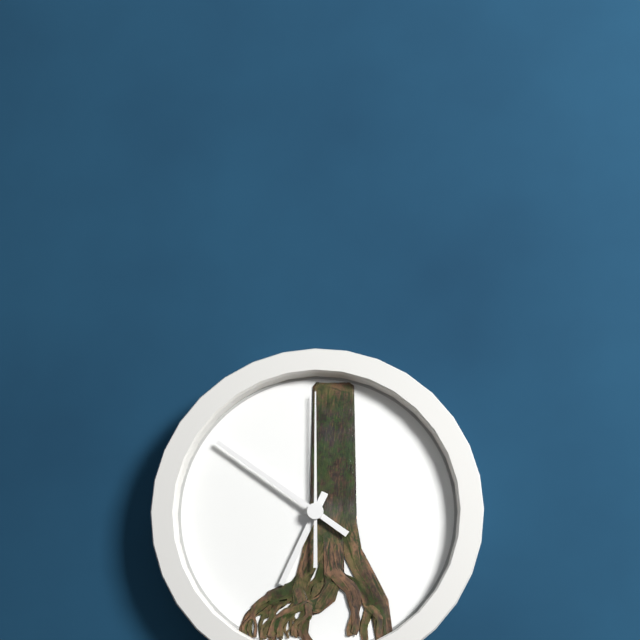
6:51:00
